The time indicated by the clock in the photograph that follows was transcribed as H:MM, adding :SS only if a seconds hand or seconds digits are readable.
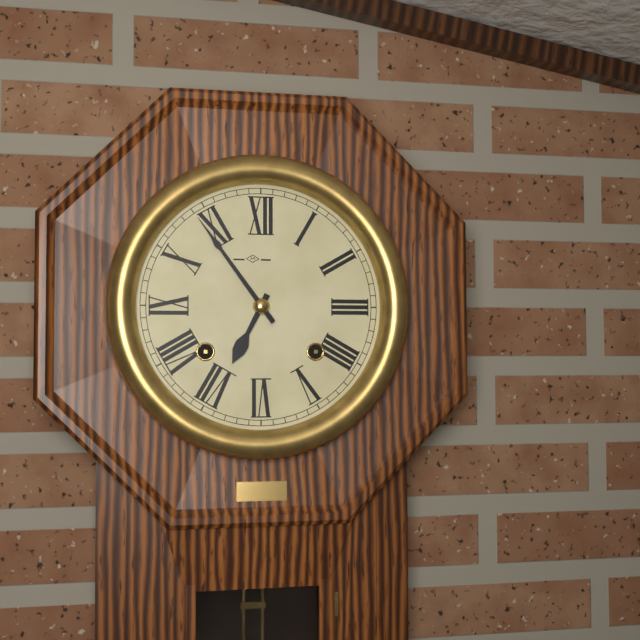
6:54
